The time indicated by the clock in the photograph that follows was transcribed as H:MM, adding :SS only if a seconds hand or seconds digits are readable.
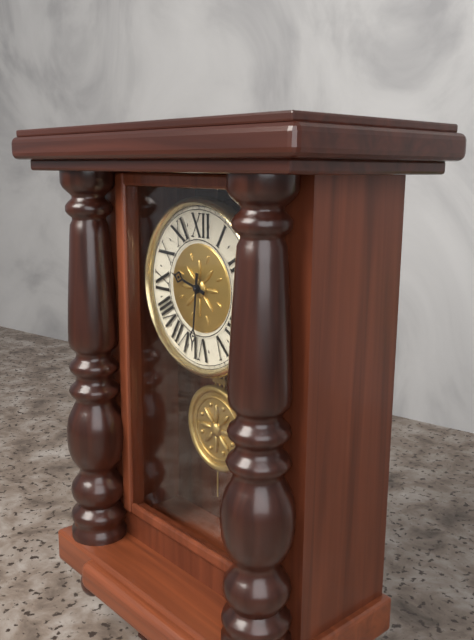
9:31
